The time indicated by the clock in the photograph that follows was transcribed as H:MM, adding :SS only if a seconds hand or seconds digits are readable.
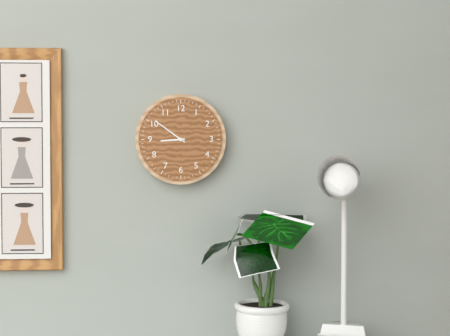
8:51
